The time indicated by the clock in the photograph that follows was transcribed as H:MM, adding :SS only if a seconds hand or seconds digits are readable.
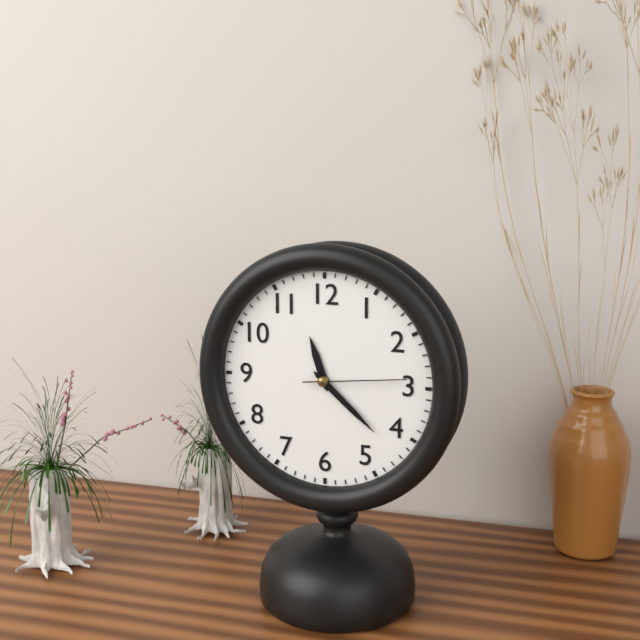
11:22:14
